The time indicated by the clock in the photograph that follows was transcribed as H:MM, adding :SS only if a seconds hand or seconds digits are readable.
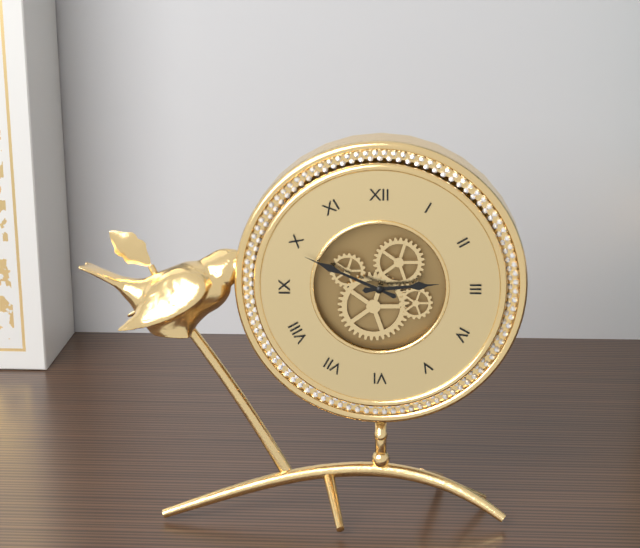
2:49
